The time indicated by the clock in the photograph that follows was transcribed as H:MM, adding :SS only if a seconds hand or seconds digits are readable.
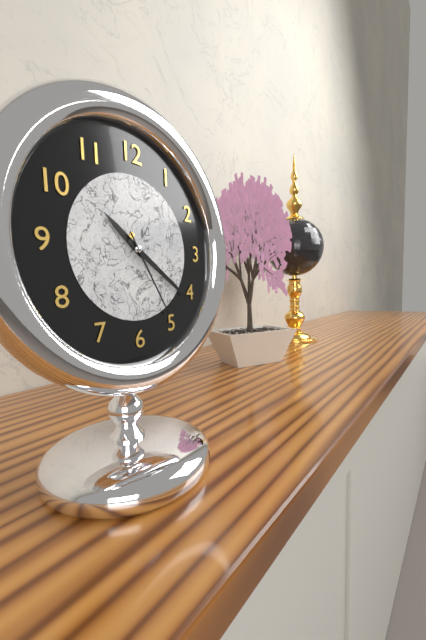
10:21:25
